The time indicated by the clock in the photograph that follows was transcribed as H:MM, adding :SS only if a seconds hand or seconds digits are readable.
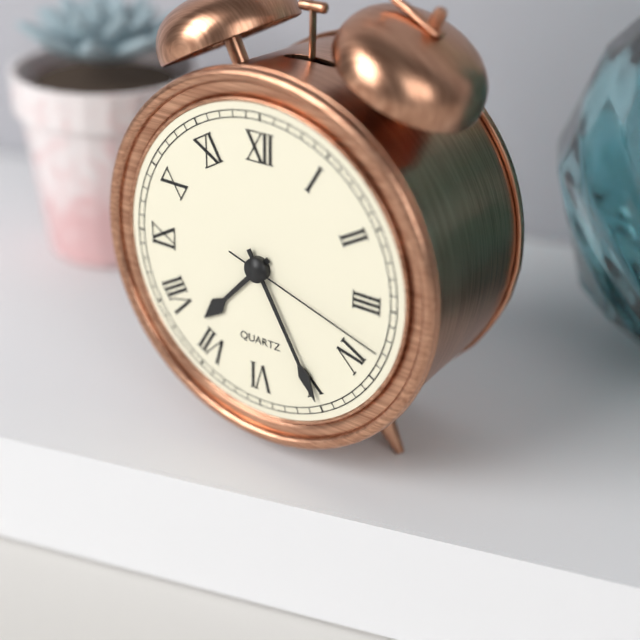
7:25:18
